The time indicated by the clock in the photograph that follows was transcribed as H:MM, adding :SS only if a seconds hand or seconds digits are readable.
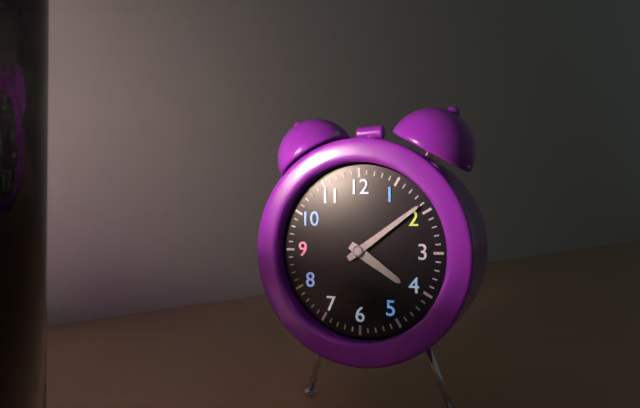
4:09
